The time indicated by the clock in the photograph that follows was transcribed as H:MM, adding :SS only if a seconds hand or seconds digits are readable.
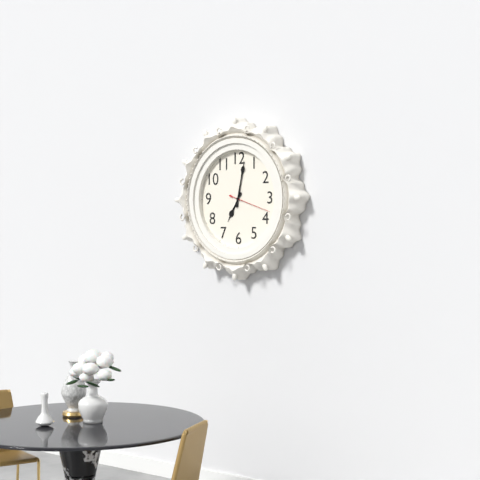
7:02
